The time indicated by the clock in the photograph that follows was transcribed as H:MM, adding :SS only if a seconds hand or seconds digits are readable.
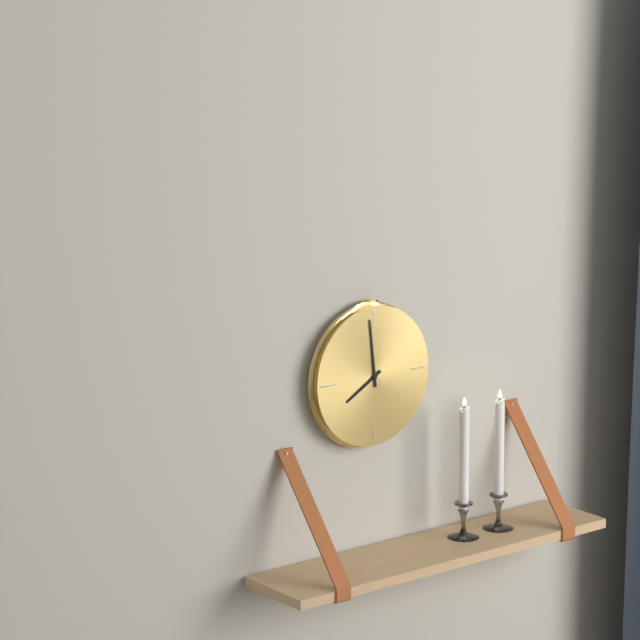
7:59
